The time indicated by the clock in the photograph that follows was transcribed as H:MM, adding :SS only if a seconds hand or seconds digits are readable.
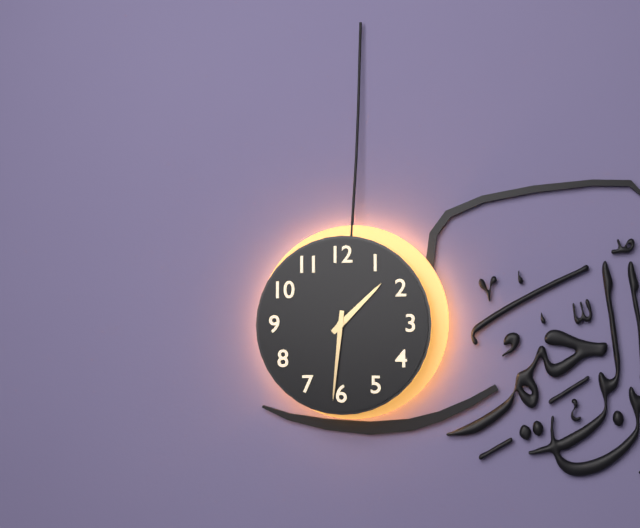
1:31
